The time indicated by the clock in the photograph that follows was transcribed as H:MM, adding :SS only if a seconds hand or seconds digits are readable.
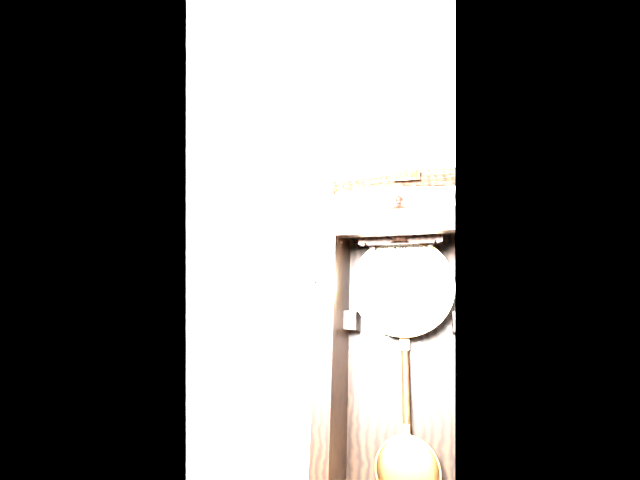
7:08
